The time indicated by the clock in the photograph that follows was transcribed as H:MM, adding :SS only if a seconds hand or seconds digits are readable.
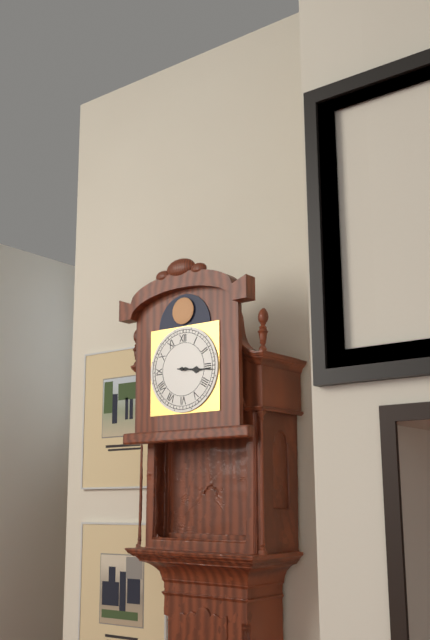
3:16
